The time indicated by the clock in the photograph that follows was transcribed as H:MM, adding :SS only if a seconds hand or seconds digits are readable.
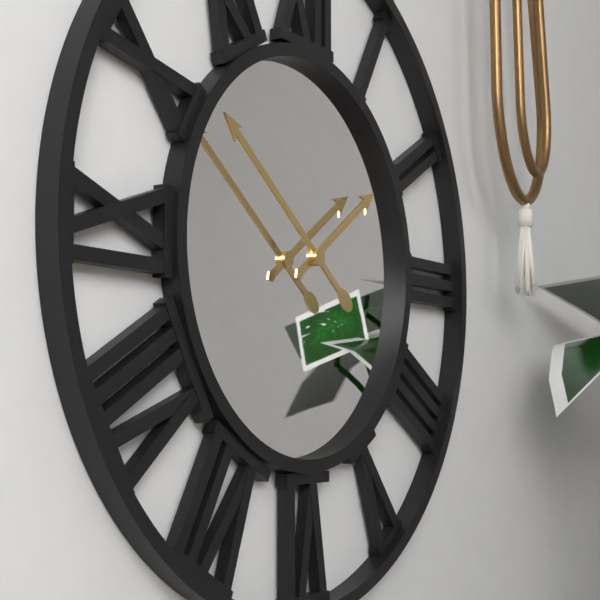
1:51
